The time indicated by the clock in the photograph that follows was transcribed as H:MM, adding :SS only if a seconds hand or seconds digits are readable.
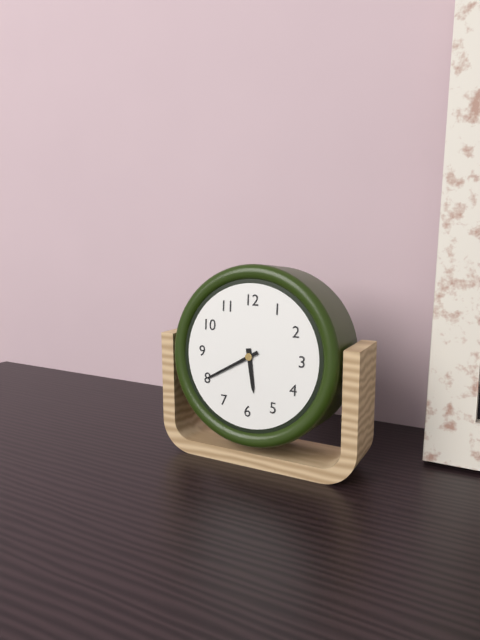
5:40
